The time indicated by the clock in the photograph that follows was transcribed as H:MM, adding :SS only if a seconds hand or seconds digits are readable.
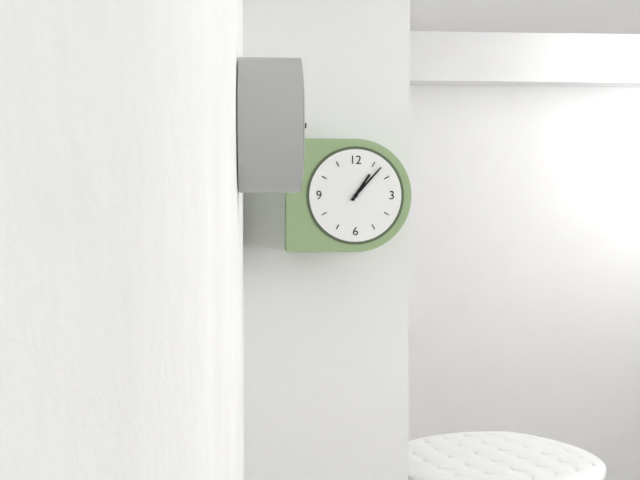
1:07
